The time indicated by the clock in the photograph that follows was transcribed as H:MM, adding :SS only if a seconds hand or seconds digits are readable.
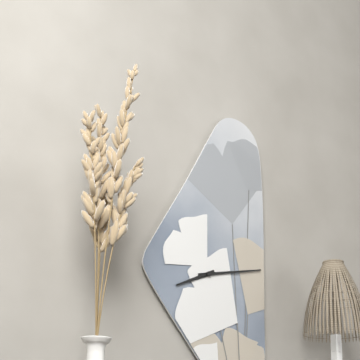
8:13
